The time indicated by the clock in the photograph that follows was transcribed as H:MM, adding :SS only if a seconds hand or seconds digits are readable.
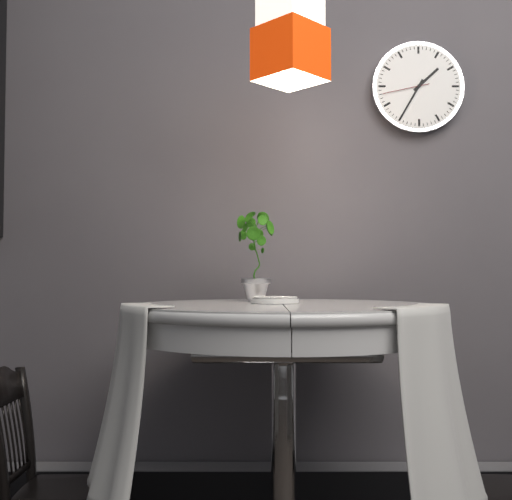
1:35
